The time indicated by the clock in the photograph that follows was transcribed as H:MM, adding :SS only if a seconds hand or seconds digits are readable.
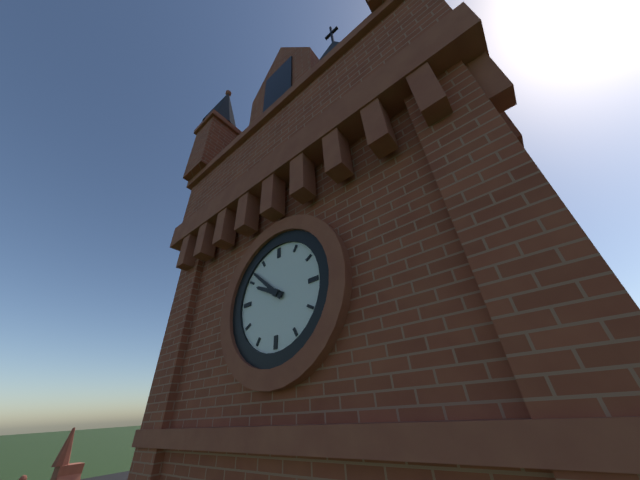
9:52
